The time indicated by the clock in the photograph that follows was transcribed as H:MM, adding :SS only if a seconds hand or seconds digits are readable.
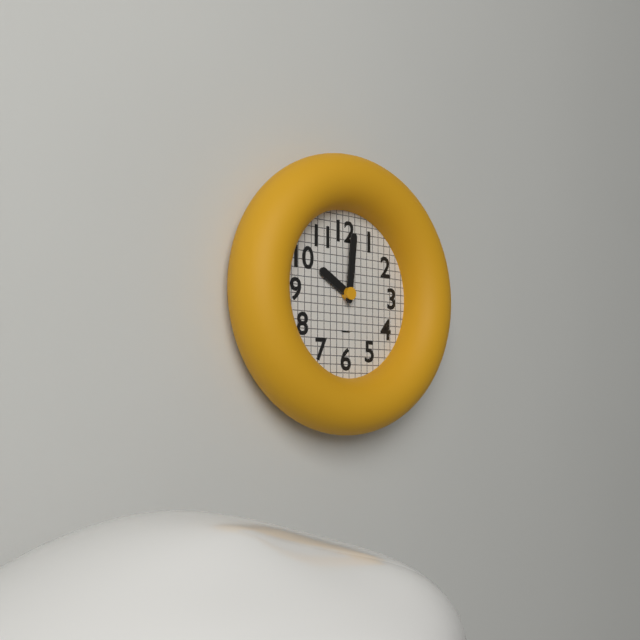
10:01
